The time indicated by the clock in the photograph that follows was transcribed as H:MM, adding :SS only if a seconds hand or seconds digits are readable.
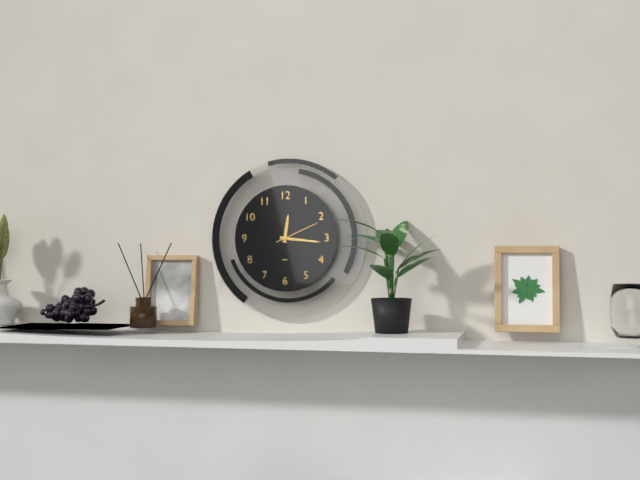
12:16
